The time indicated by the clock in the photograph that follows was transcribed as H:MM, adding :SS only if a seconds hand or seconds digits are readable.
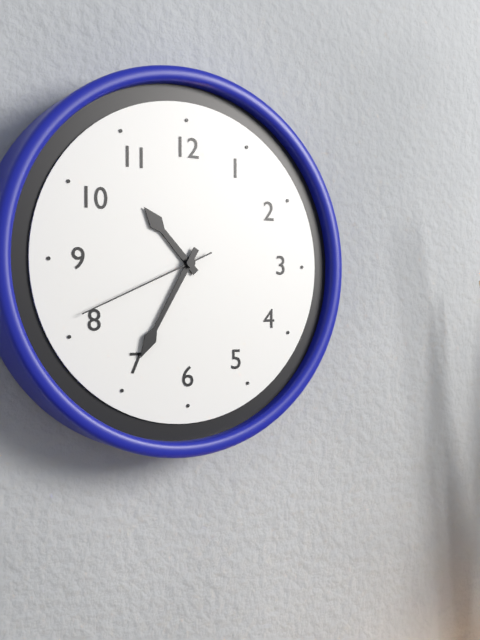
10:35:41
